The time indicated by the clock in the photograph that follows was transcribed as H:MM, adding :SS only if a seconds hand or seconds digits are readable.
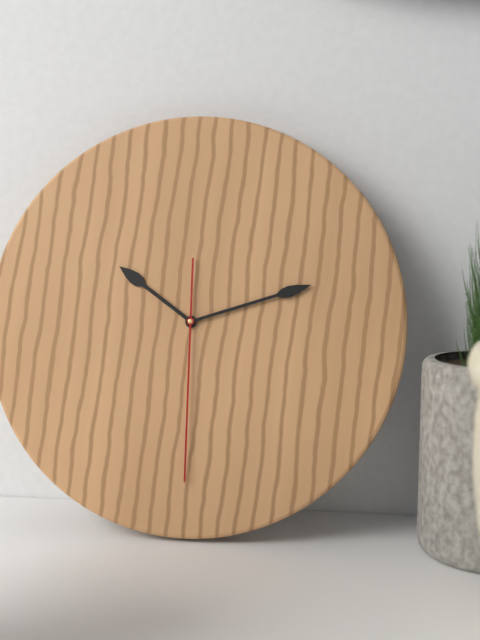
10:12:30
